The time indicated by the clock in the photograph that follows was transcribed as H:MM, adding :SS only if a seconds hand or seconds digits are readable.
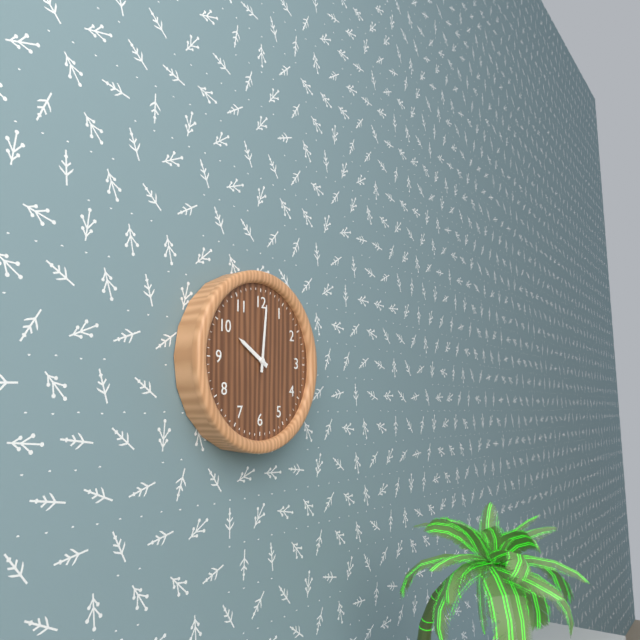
10:01
